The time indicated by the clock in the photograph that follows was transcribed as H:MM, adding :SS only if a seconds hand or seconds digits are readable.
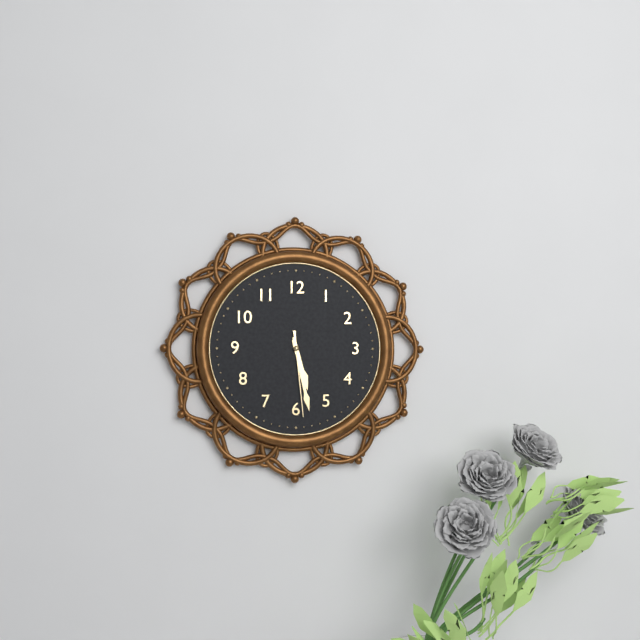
5:28:29
